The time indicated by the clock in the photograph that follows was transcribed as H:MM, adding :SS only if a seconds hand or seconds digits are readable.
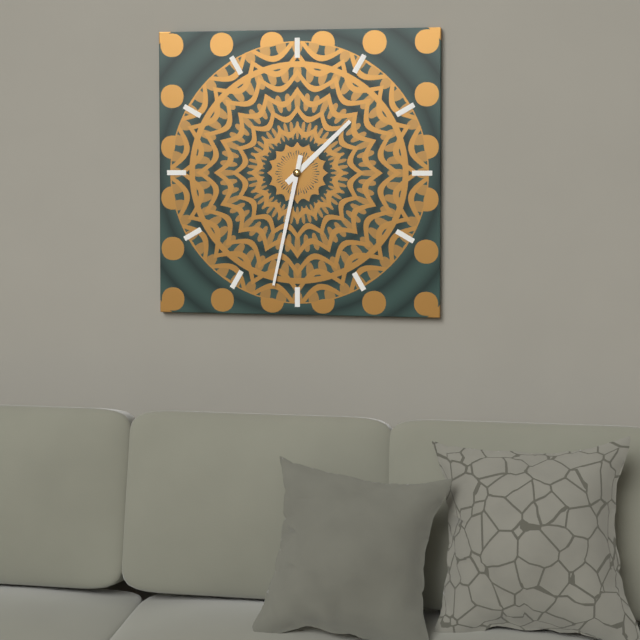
1:32
